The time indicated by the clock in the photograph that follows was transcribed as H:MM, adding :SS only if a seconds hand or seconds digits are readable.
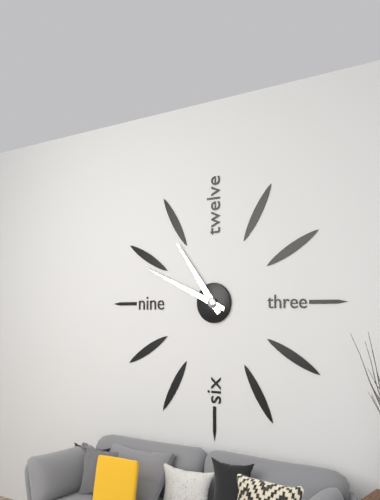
10:49
